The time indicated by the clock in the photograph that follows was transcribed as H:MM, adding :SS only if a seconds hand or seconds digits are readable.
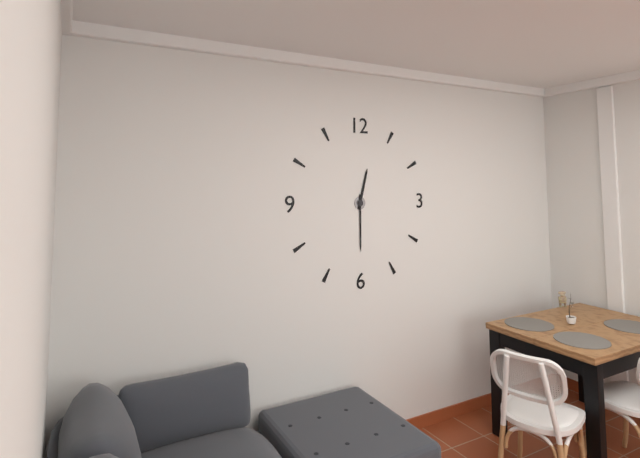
12:30
